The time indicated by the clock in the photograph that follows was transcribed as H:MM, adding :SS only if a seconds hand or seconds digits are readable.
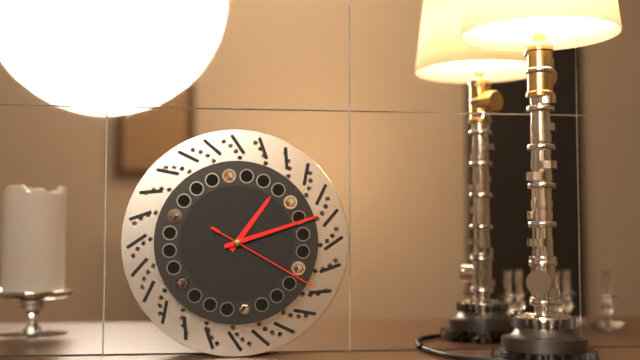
1:12:20
